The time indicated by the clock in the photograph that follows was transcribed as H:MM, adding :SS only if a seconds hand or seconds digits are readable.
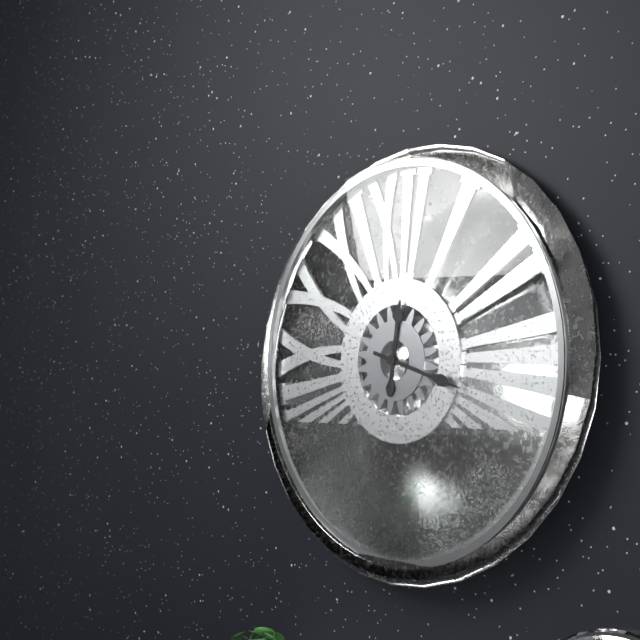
12:18
